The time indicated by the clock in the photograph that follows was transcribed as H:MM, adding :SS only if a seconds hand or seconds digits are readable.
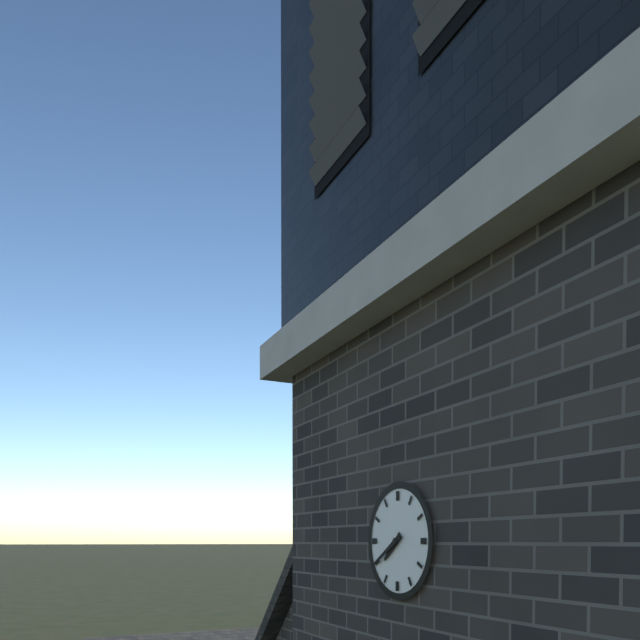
7:40
